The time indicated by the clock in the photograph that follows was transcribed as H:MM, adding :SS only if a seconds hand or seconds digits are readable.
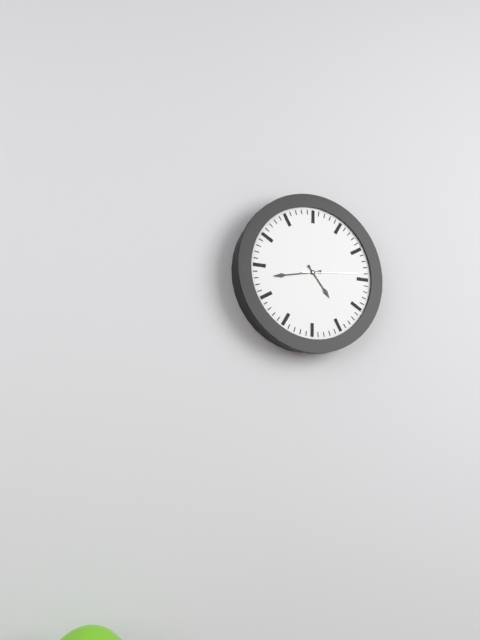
4:43:14
